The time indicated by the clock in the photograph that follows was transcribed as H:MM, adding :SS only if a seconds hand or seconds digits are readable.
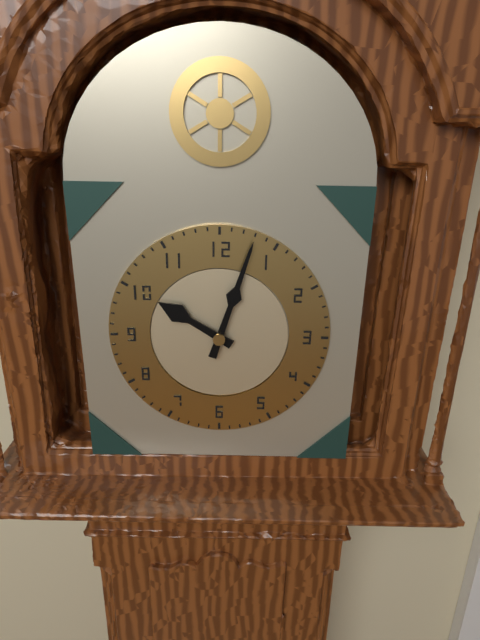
10:03
